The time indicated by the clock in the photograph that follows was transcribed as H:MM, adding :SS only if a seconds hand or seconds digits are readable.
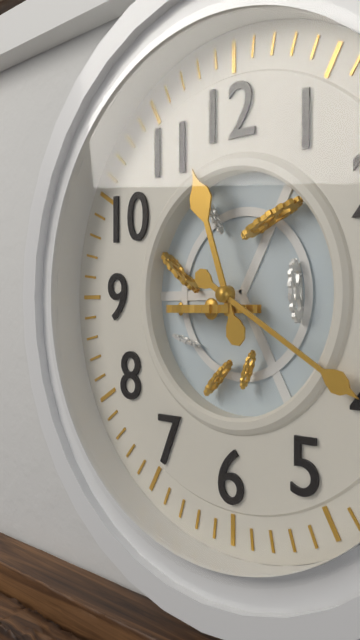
11:20
